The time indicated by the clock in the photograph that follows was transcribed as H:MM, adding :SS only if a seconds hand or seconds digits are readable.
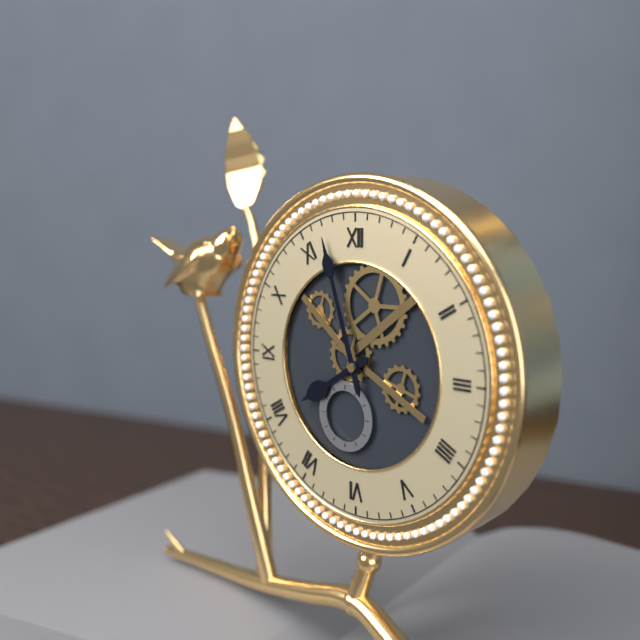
7:57
